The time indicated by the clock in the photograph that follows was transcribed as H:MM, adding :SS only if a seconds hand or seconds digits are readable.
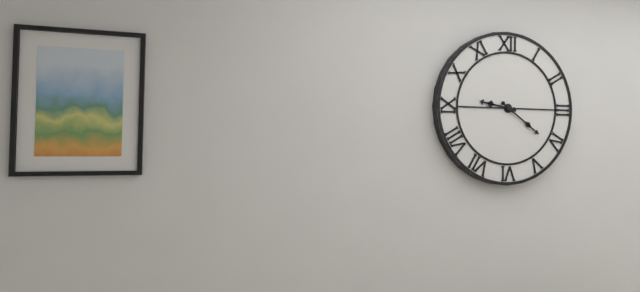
9:21
